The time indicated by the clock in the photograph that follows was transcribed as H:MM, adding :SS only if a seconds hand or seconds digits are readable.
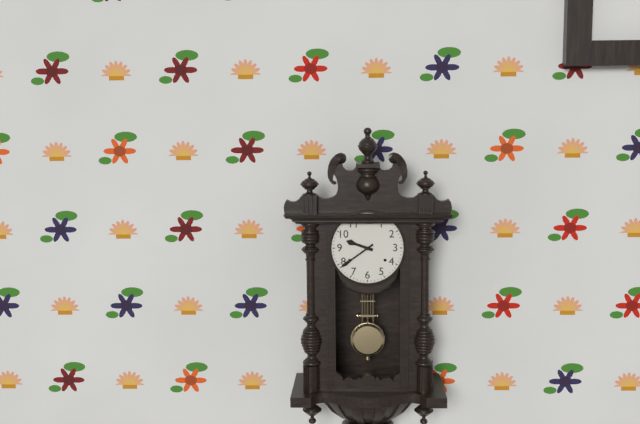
9:39
